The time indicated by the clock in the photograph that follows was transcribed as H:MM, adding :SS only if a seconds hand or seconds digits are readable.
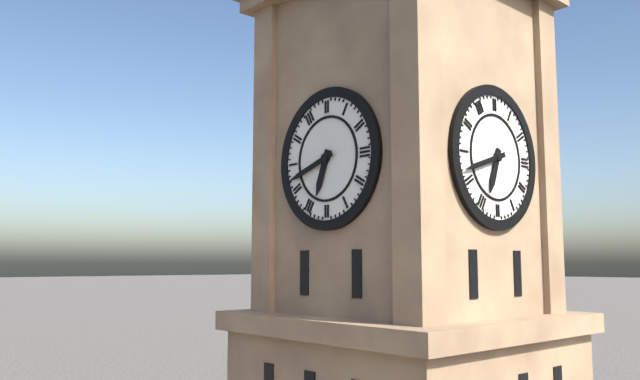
6:42
